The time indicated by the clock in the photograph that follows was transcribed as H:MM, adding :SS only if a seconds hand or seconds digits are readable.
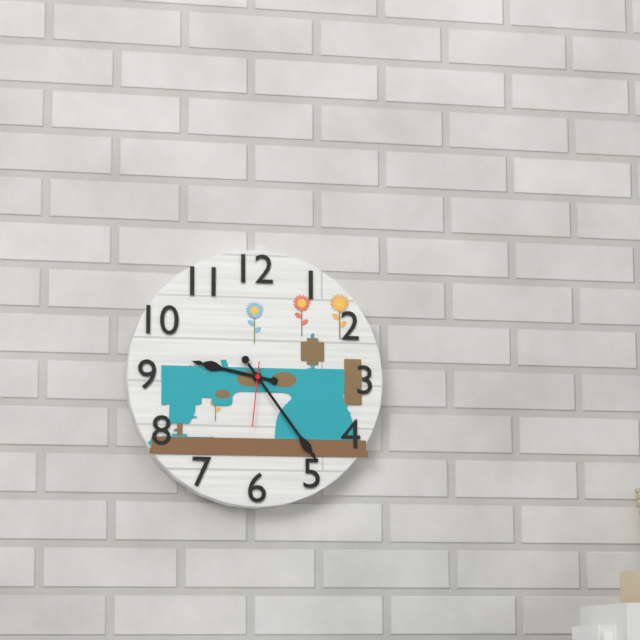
9:24:31
